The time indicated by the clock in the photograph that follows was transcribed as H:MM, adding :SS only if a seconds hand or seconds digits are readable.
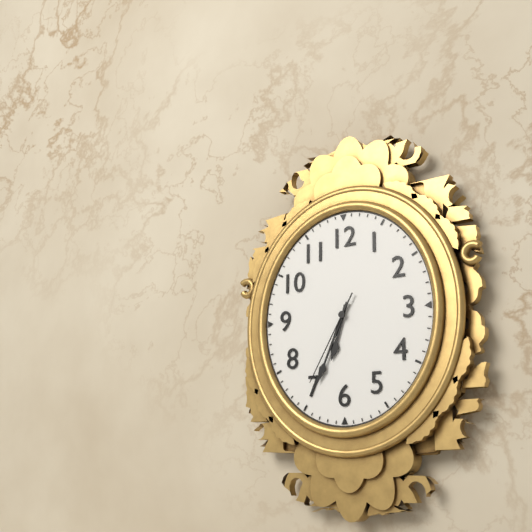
6:34:35
